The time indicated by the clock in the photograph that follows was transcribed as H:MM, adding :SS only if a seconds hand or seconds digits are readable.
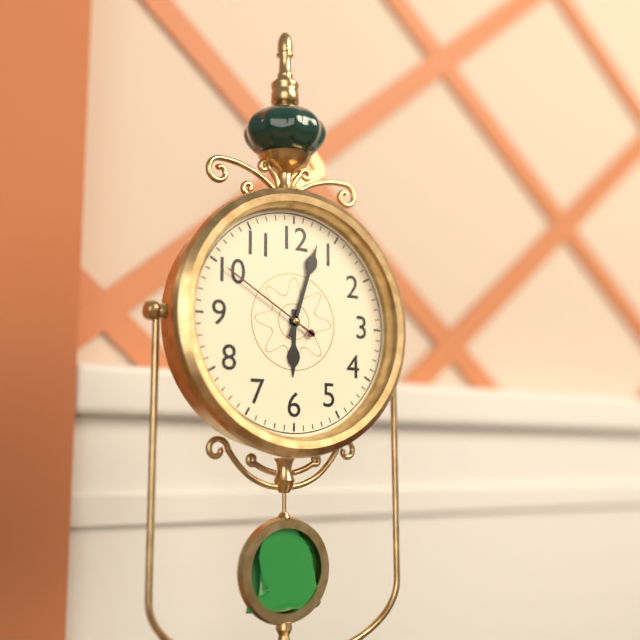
6:03:50
